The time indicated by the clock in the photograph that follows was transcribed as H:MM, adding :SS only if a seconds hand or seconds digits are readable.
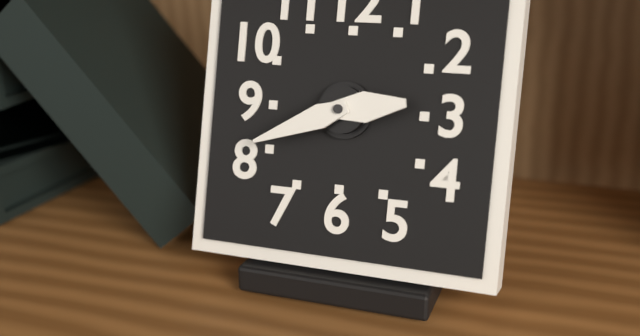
2:41
